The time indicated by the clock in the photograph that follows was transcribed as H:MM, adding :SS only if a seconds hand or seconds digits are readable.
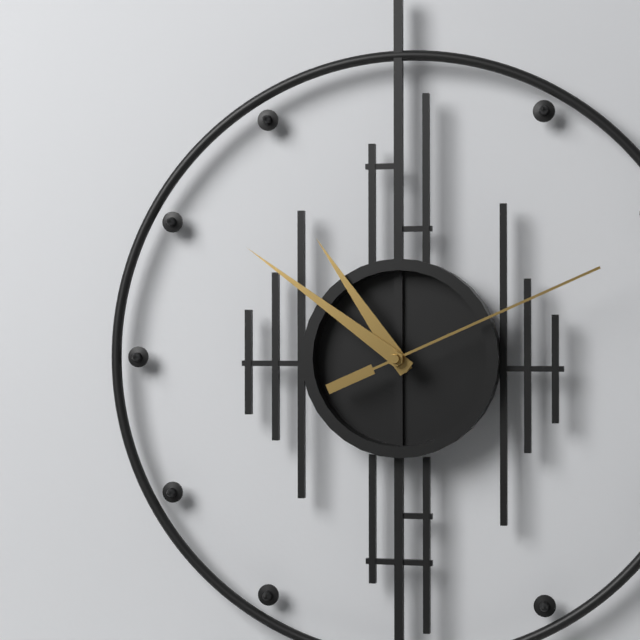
10:51:11
